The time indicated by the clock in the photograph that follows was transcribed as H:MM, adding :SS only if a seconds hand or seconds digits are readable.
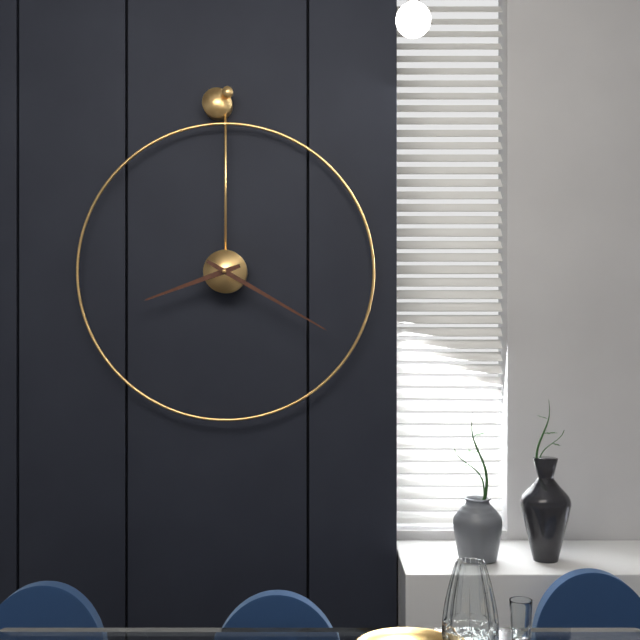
8:20
